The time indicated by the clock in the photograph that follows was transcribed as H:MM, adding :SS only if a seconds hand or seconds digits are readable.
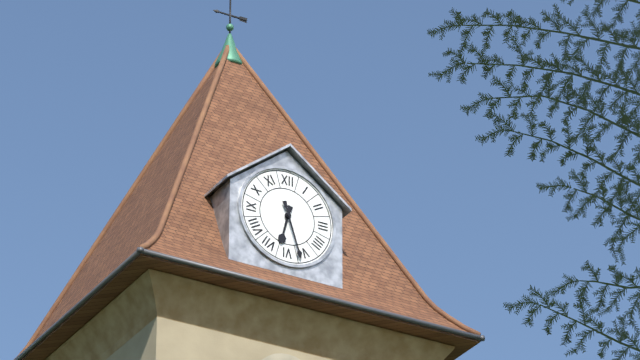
6:27
